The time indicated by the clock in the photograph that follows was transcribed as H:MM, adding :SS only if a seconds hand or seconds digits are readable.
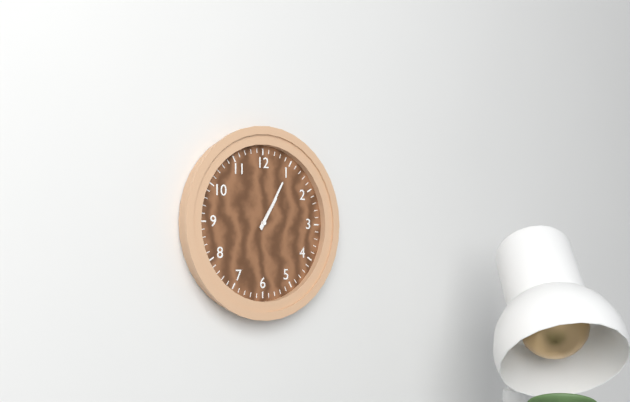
1:05
